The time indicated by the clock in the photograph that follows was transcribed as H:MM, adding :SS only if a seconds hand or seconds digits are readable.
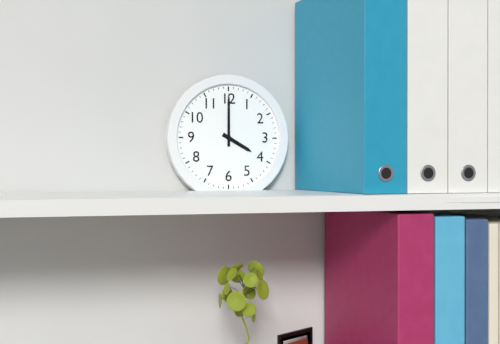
4:00
